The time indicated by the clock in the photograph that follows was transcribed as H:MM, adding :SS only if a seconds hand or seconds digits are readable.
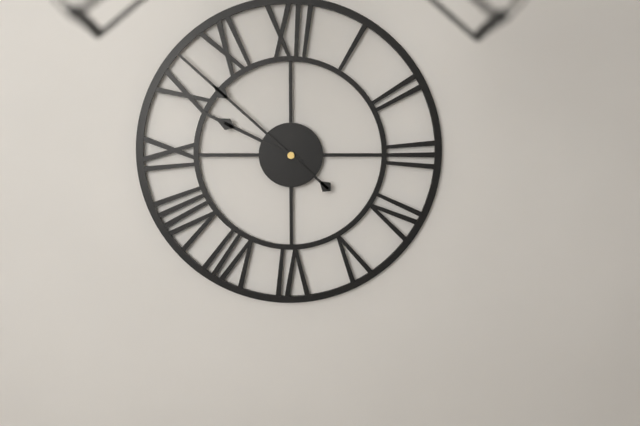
9:52
